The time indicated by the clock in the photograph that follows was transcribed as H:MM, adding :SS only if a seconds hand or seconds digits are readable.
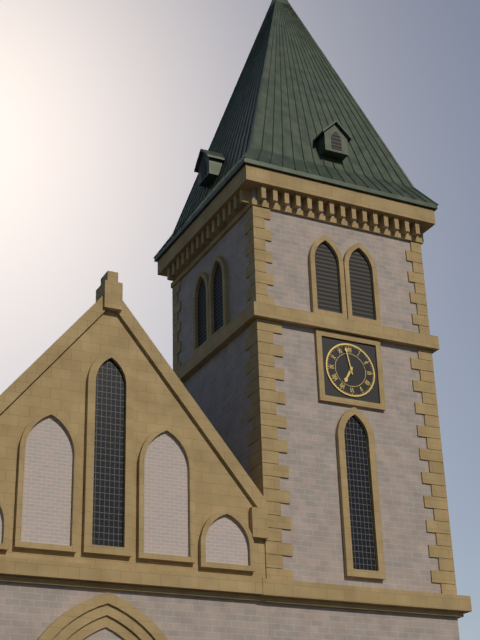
6:58
